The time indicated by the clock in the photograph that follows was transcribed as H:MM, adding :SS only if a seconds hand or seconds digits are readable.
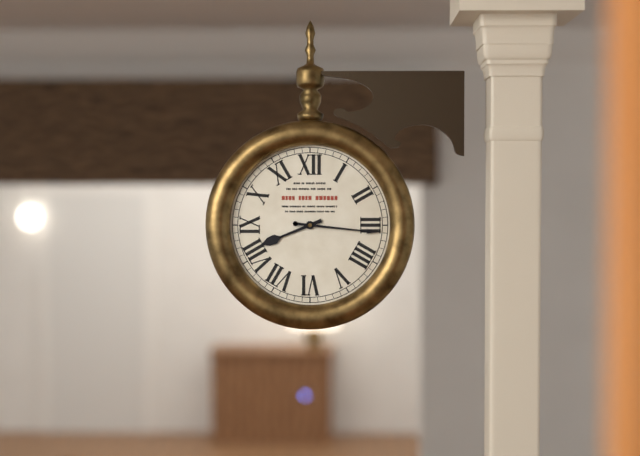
8:16
